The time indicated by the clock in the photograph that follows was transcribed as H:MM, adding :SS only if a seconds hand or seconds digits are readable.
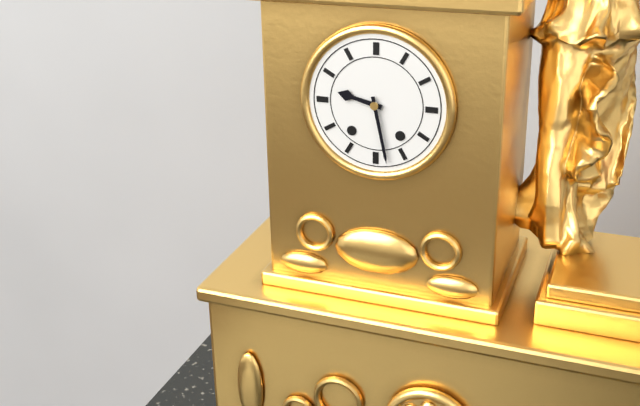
9:28
